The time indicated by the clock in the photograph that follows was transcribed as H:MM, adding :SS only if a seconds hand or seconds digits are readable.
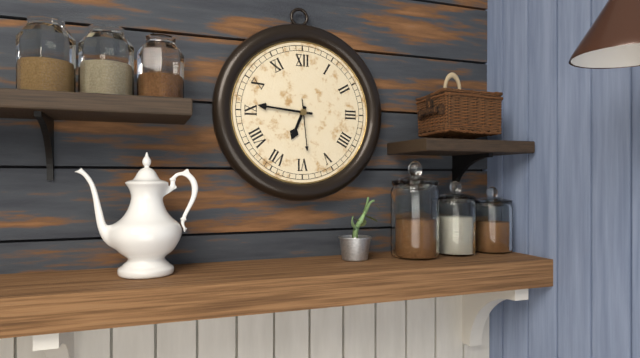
6:46
